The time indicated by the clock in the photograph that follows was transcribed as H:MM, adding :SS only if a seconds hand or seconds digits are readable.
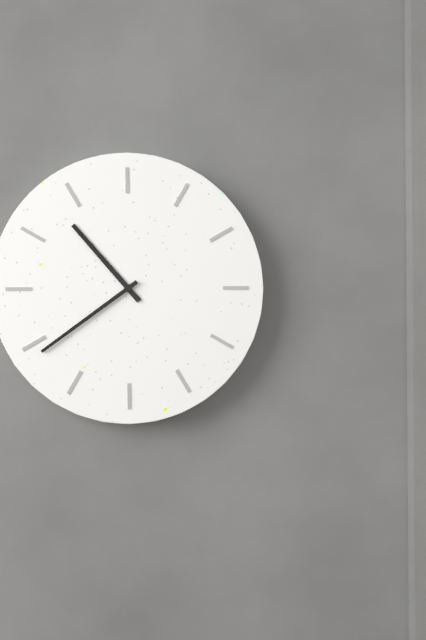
10:39
